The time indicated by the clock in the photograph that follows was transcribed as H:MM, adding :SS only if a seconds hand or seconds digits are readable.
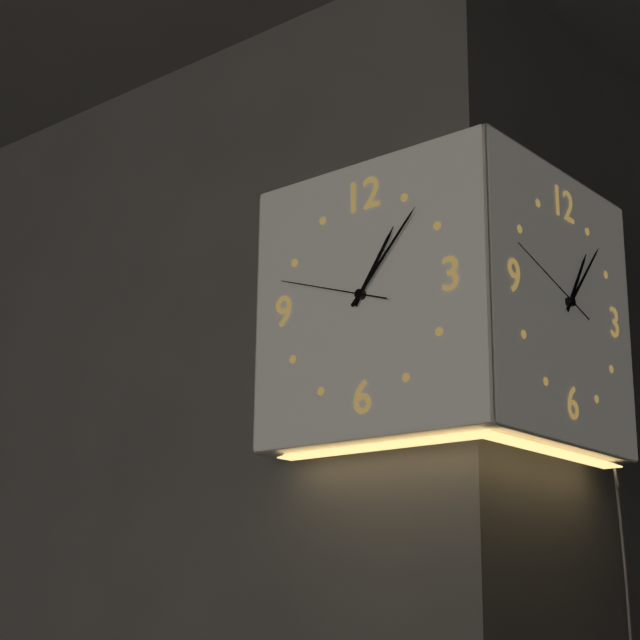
1:07:48
